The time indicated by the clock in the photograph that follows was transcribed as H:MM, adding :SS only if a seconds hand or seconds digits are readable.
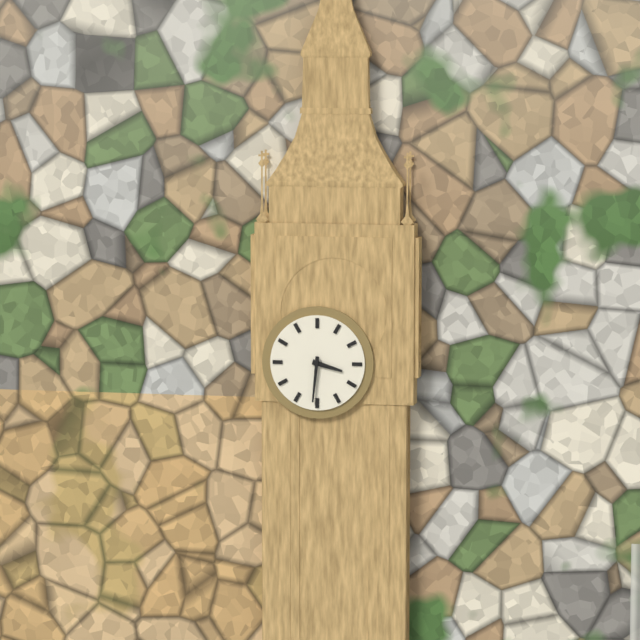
3:31
